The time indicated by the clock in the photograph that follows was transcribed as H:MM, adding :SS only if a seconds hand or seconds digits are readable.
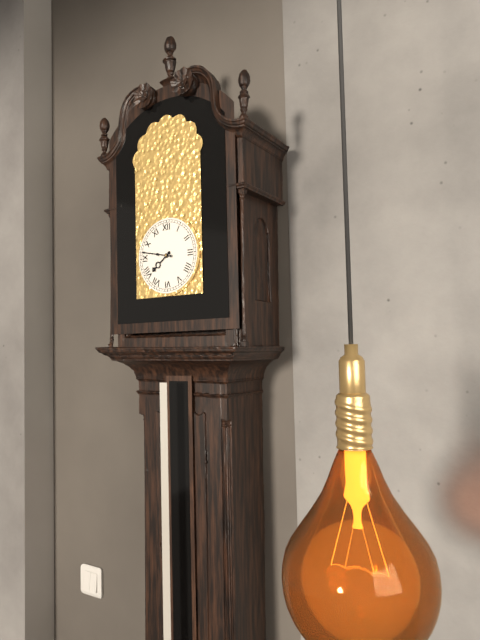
7:47
